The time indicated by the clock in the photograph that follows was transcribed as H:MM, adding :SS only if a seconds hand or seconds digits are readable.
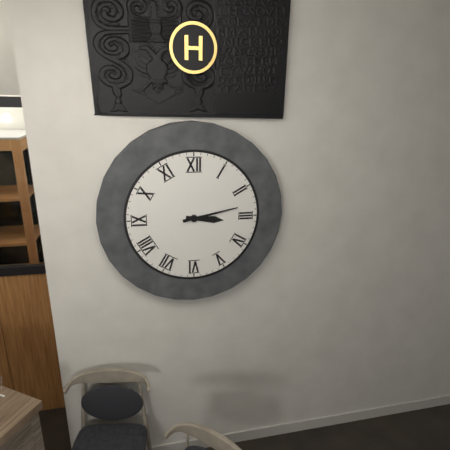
3:13
